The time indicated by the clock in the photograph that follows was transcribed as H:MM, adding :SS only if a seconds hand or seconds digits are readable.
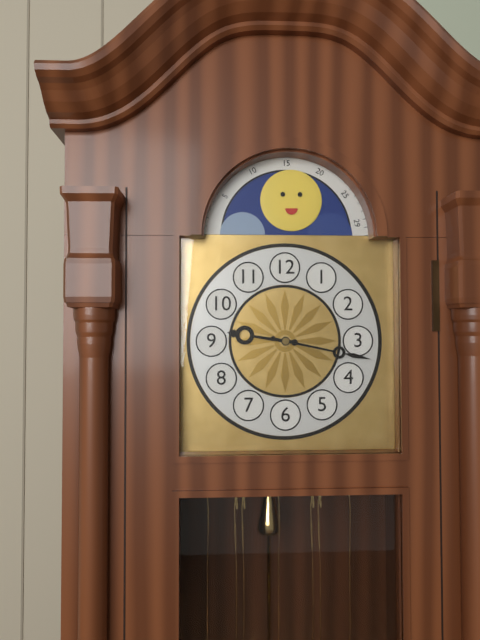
9:17
